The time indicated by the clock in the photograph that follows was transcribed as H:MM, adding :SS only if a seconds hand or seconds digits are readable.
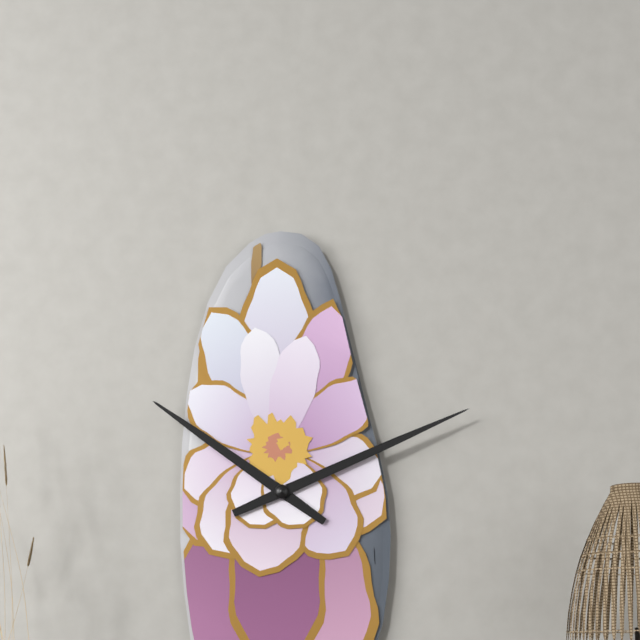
10:11
